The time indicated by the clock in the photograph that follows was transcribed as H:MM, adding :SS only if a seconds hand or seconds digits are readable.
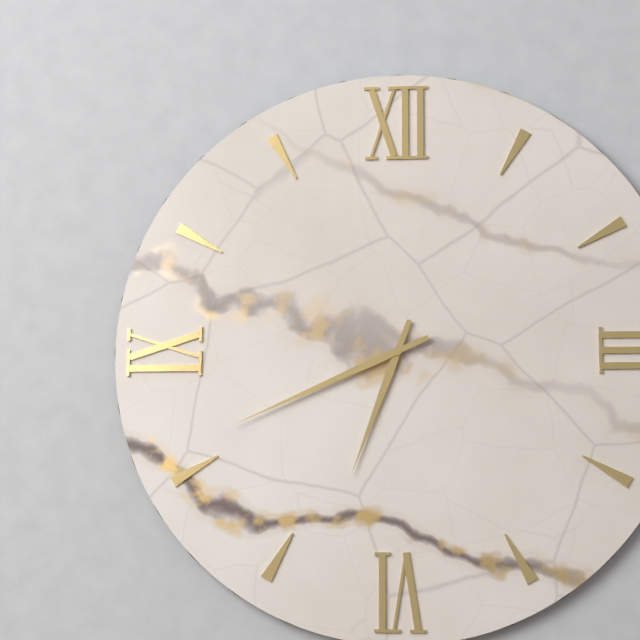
6:41
